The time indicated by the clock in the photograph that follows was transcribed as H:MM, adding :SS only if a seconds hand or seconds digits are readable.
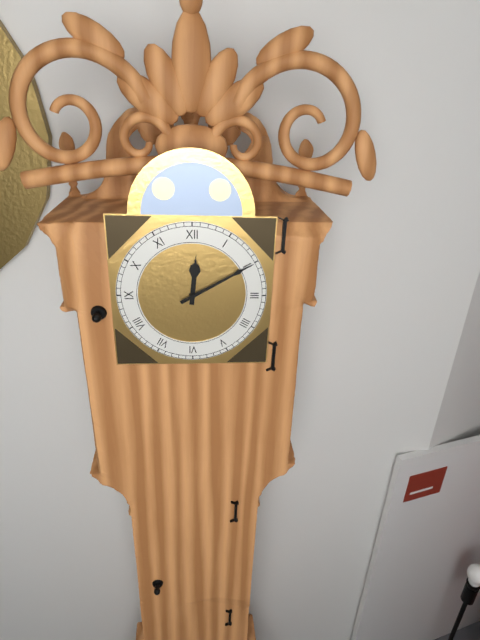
12:10
